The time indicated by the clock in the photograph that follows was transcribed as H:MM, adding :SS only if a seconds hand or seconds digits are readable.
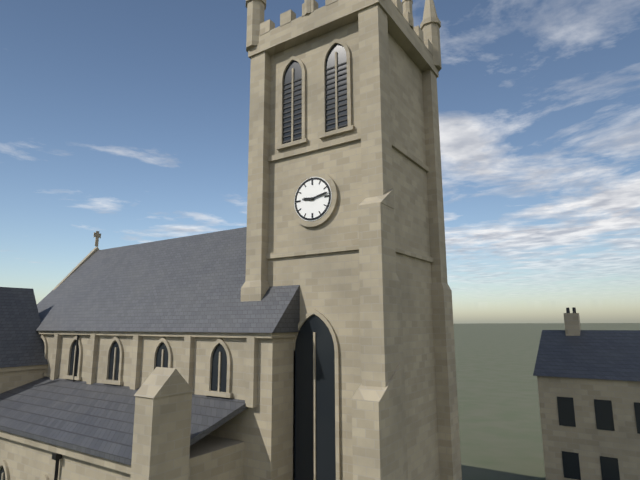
9:13
